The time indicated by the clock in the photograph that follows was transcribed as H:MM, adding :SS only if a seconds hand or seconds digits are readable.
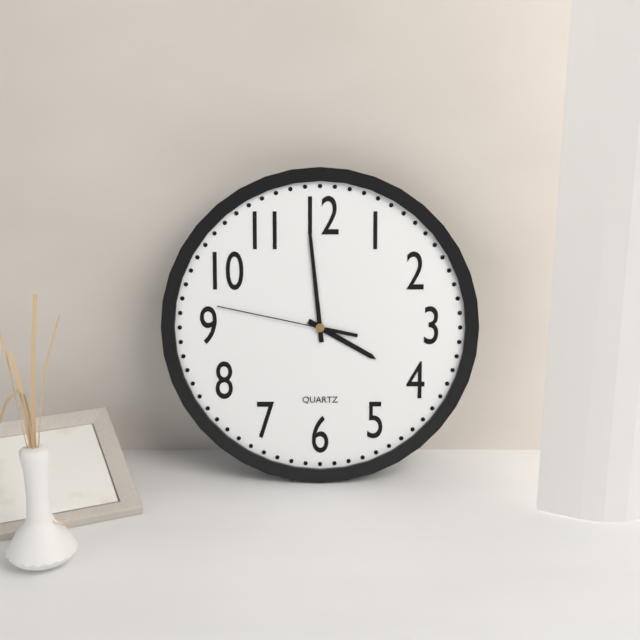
3:59:47
